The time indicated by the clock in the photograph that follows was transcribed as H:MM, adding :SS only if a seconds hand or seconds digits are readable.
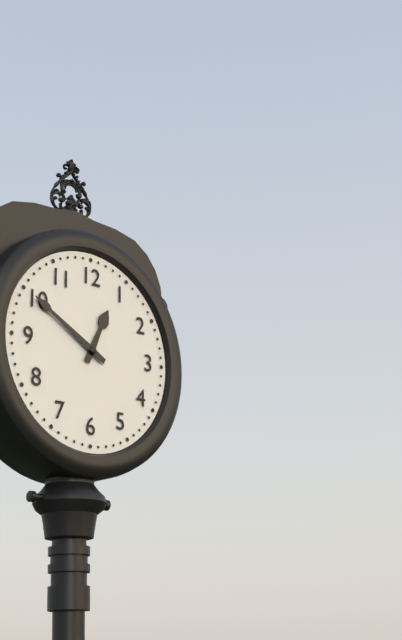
12:50
